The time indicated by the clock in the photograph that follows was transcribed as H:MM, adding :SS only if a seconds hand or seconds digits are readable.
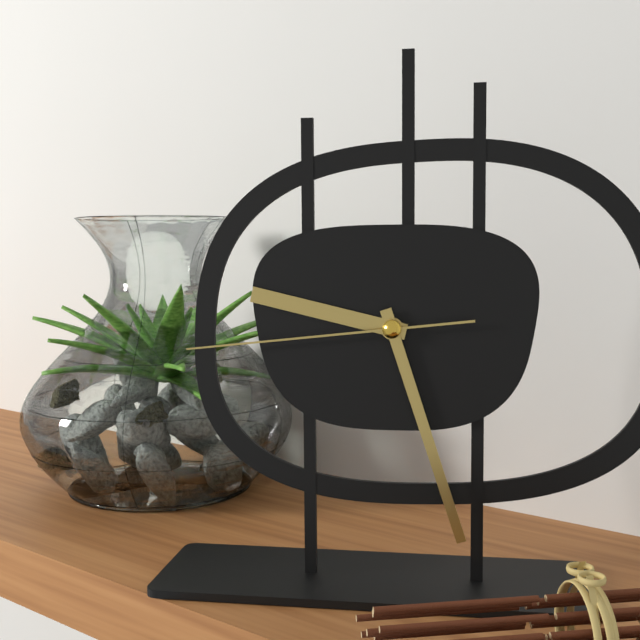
9:27:44
